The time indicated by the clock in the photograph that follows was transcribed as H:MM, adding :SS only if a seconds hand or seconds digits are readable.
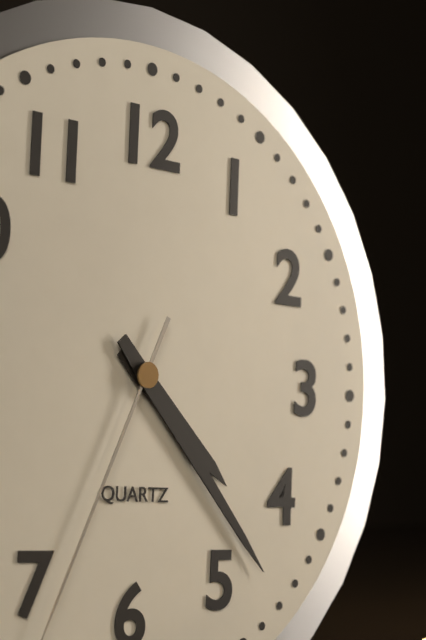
4:23
